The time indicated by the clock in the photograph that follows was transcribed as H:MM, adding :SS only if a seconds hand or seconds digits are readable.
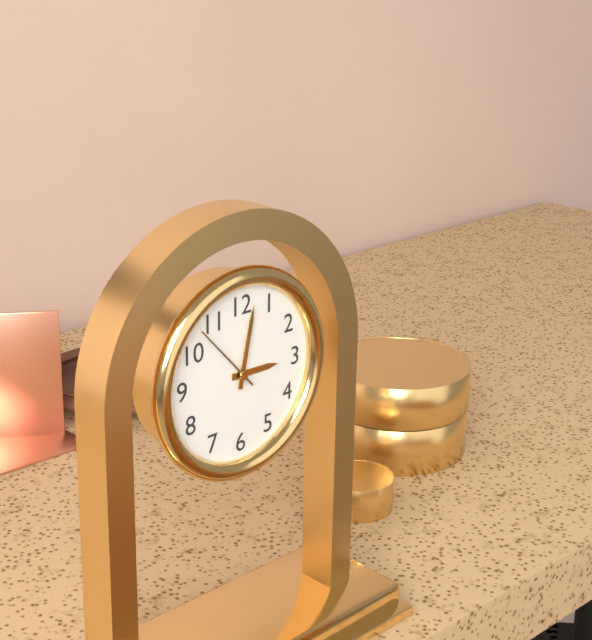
3:02:53
